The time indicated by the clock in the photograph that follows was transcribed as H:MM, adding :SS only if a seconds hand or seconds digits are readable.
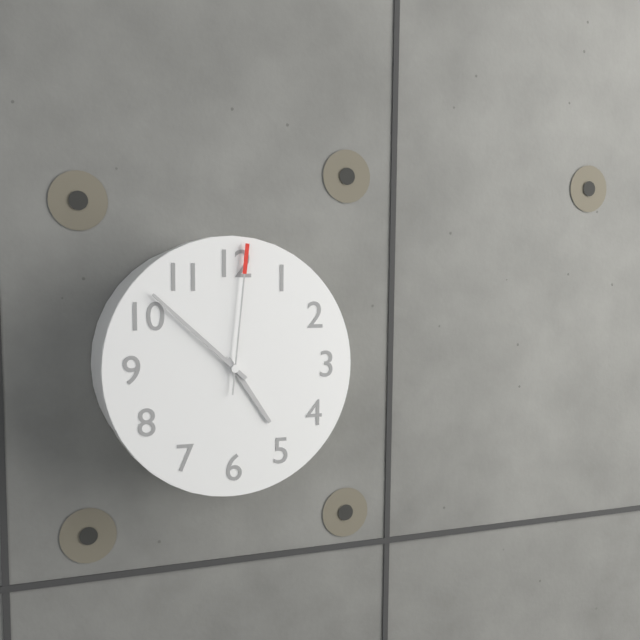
4:52:01
